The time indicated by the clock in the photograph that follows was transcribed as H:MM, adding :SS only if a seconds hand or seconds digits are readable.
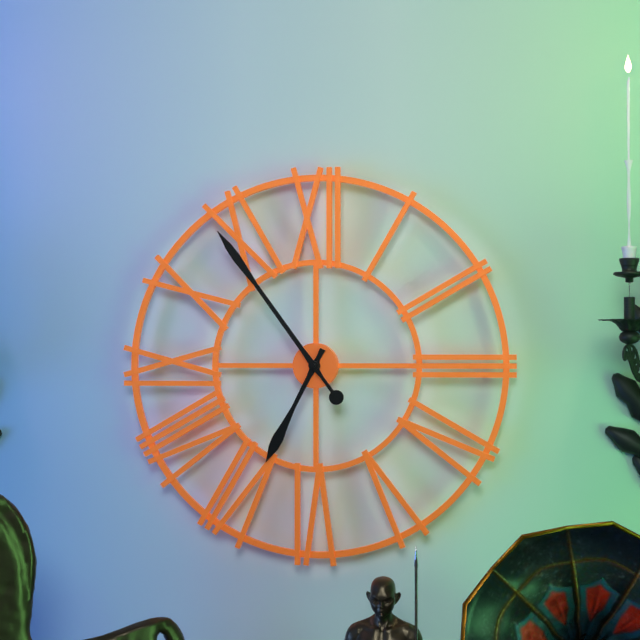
6:54
